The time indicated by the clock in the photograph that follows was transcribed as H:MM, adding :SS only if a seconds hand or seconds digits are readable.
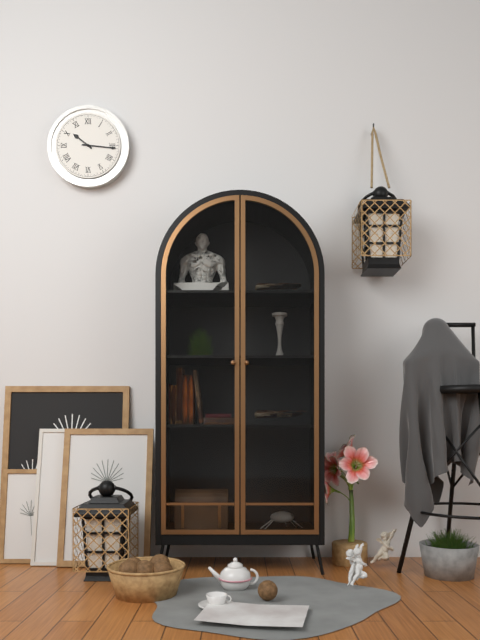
10:16
